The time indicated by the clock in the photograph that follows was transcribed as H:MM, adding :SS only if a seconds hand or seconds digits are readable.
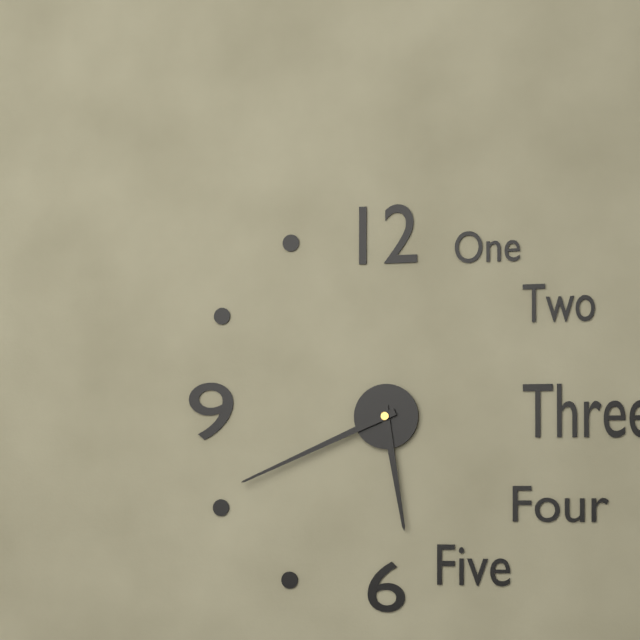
5:41
